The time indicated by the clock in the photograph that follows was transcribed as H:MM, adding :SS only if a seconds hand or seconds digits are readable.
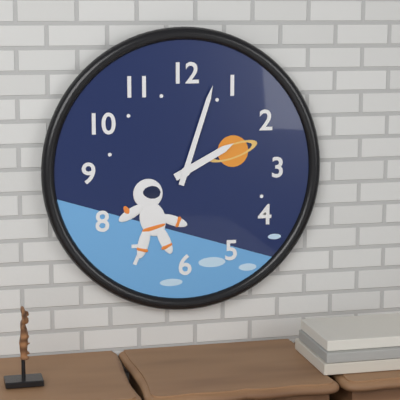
2:03
